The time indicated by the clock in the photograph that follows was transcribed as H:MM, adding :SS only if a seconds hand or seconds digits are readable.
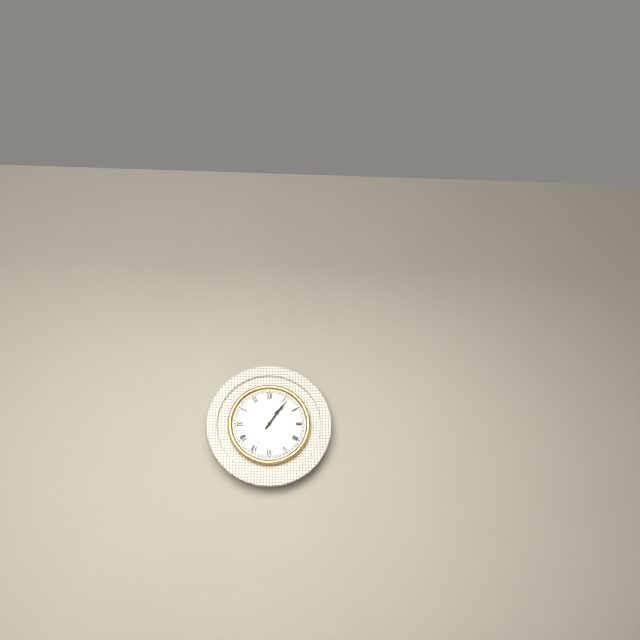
1:06
